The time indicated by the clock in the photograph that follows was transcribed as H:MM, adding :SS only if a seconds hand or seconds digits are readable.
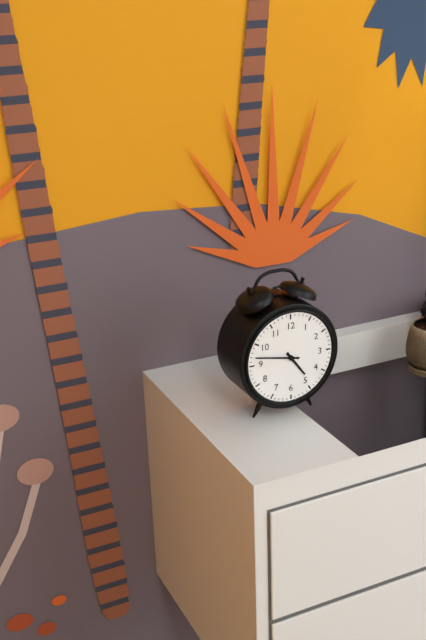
4:47
